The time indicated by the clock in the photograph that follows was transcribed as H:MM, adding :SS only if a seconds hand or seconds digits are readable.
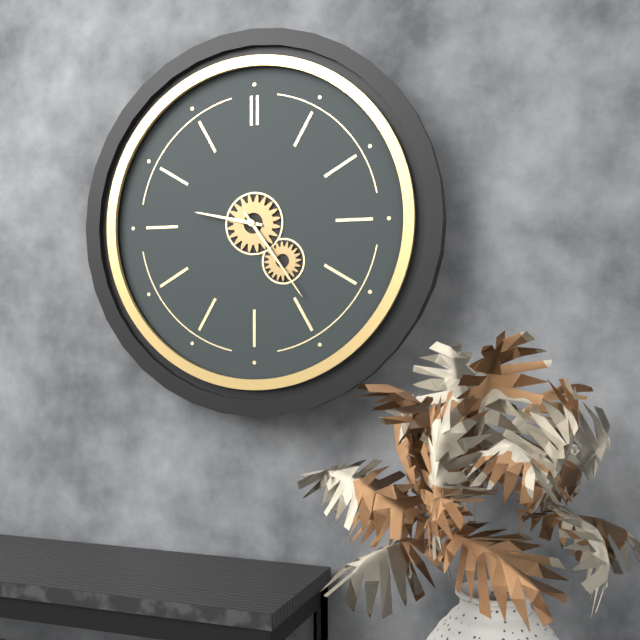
9:24
